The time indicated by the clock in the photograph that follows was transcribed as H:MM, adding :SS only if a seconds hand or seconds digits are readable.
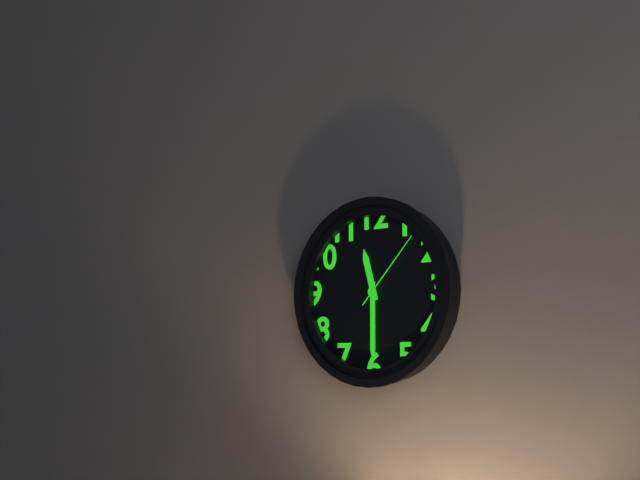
11:30:07
